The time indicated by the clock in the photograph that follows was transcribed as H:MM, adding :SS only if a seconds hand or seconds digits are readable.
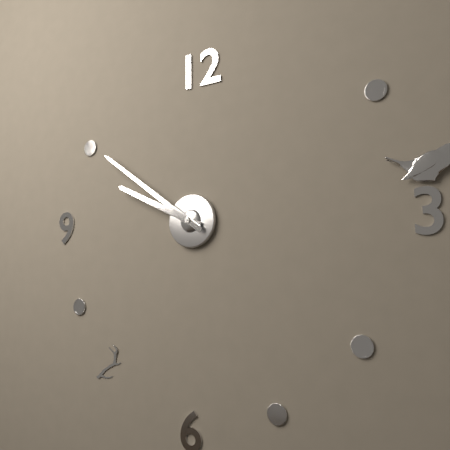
9:51
